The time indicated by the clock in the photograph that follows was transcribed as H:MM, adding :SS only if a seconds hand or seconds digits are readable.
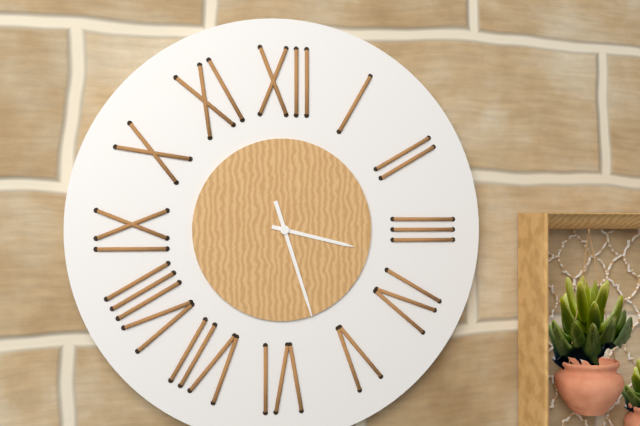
3:27
